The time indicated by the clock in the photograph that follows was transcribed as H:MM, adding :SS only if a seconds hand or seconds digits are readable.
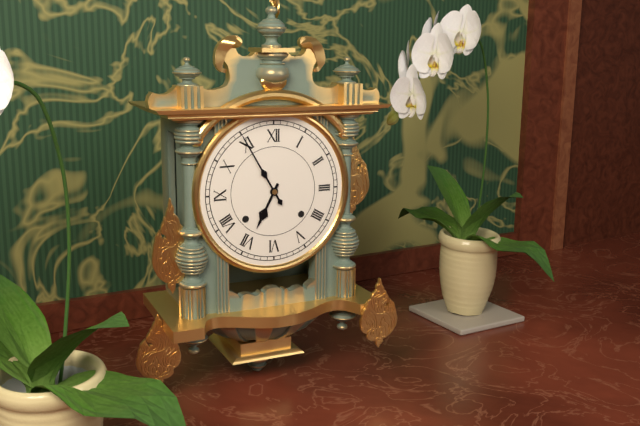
6:55
